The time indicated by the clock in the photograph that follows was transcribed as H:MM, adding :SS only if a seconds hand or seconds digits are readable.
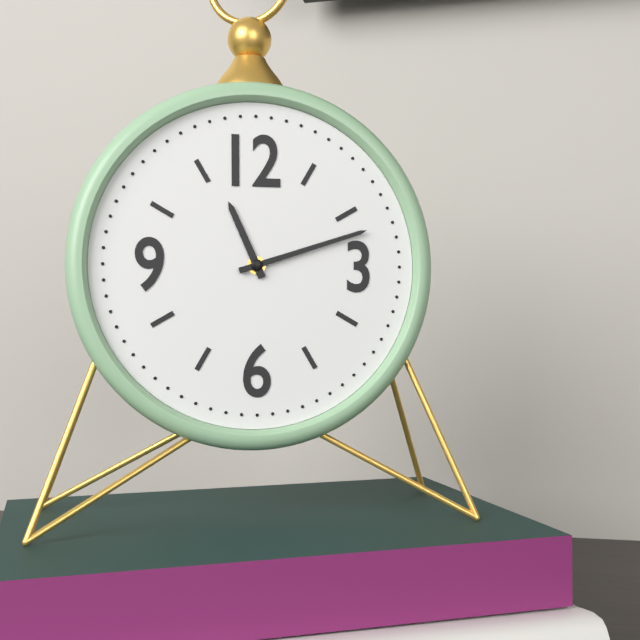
11:12
